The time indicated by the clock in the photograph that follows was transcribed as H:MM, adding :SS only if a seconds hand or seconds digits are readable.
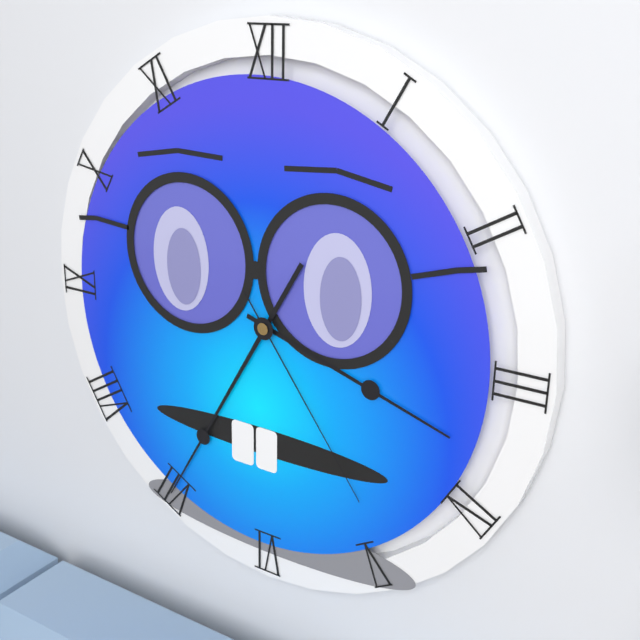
3:35:24
